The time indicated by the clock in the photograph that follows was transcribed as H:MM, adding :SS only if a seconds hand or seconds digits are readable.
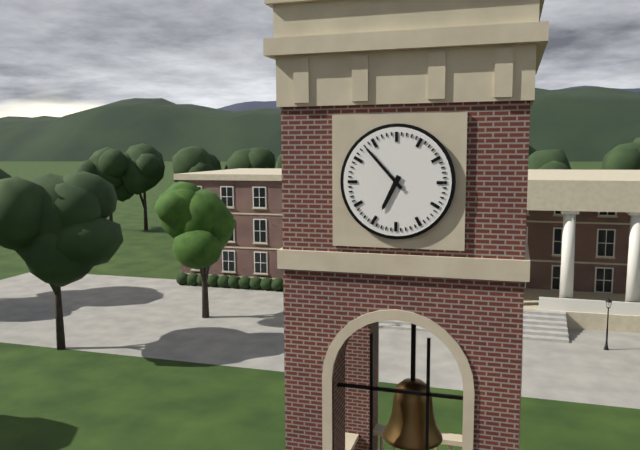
6:53
